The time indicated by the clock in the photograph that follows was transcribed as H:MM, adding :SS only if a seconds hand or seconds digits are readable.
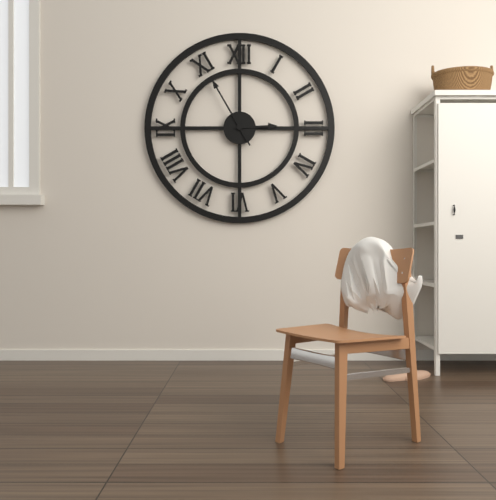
2:55
